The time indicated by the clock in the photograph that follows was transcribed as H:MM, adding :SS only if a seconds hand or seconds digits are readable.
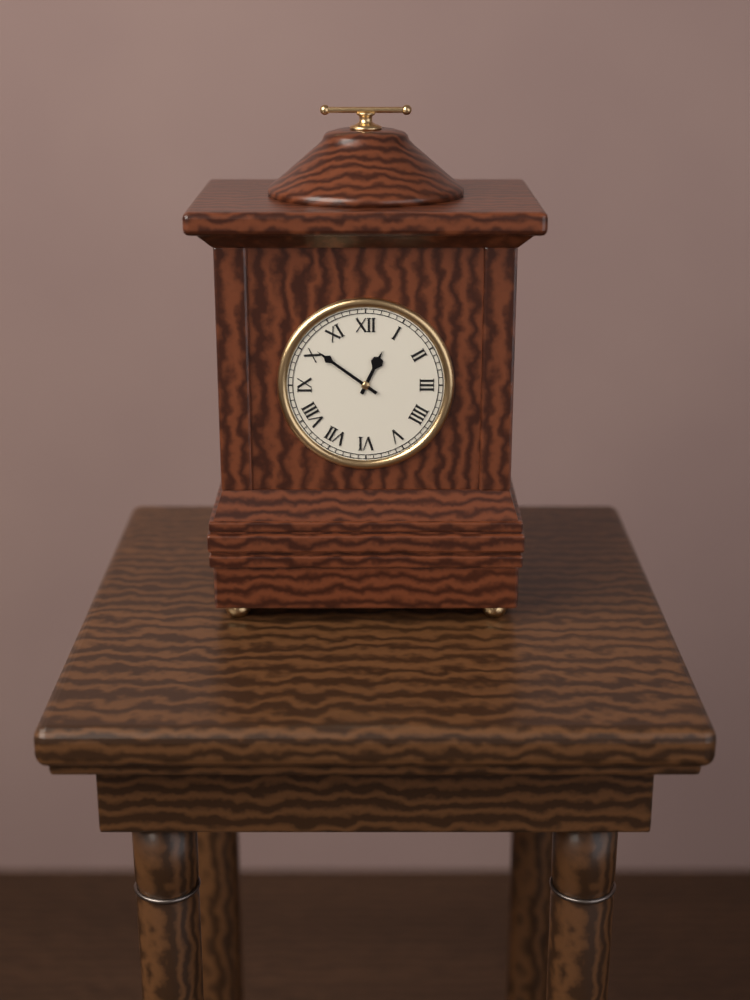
12:51
